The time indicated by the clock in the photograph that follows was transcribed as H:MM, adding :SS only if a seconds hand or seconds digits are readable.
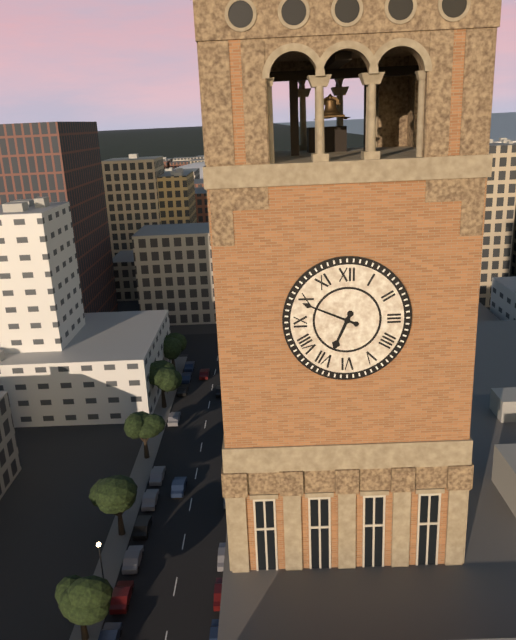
6:49
